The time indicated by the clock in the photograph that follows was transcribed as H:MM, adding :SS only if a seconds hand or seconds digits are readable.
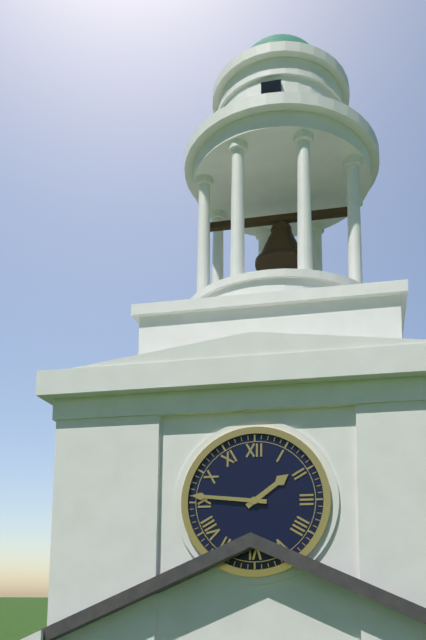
1:46
